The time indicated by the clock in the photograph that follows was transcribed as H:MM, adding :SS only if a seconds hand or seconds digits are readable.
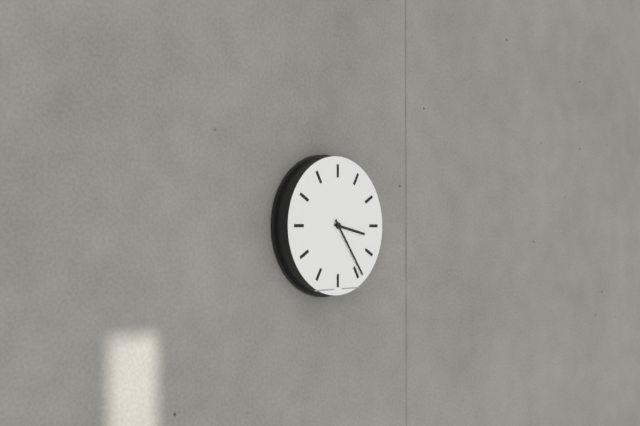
3:24
